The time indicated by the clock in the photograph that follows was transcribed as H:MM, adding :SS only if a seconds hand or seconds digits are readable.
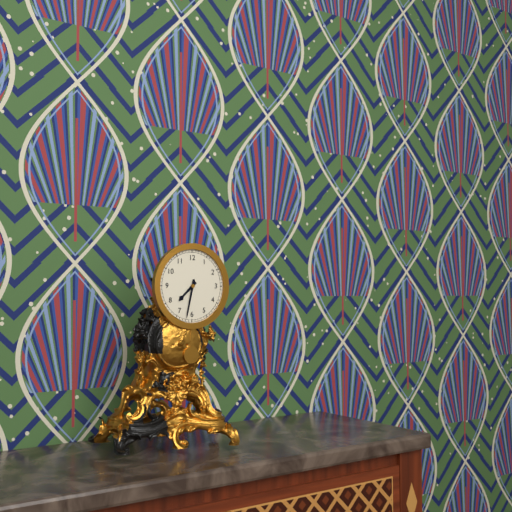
7:32
